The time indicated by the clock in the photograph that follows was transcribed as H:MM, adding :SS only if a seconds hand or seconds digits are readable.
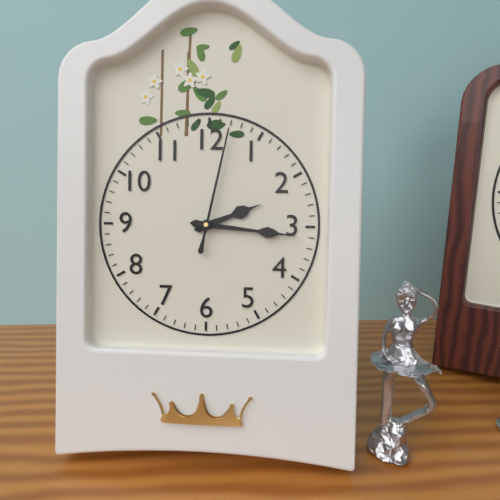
2:16:02
